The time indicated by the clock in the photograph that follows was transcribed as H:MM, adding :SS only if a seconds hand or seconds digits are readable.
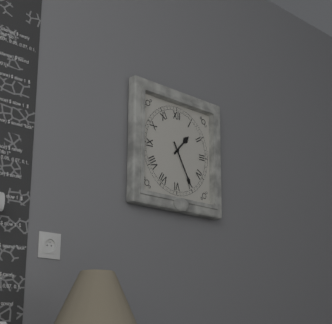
1:25
